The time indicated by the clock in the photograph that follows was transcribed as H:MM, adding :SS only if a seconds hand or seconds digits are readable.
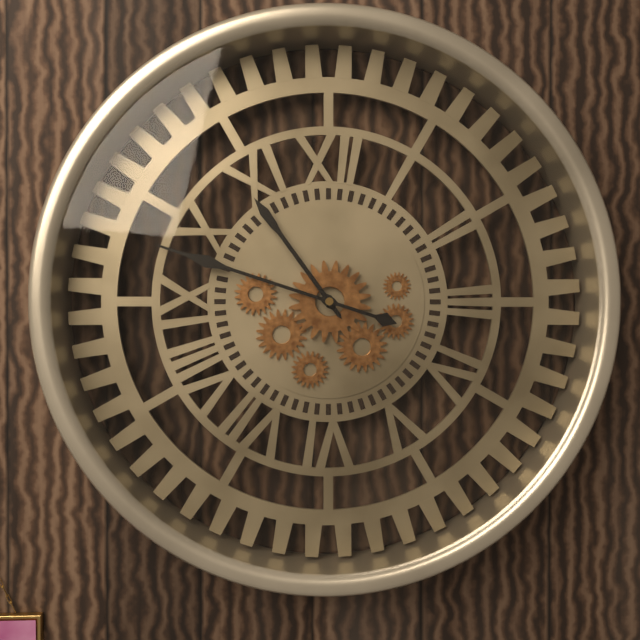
10:48
